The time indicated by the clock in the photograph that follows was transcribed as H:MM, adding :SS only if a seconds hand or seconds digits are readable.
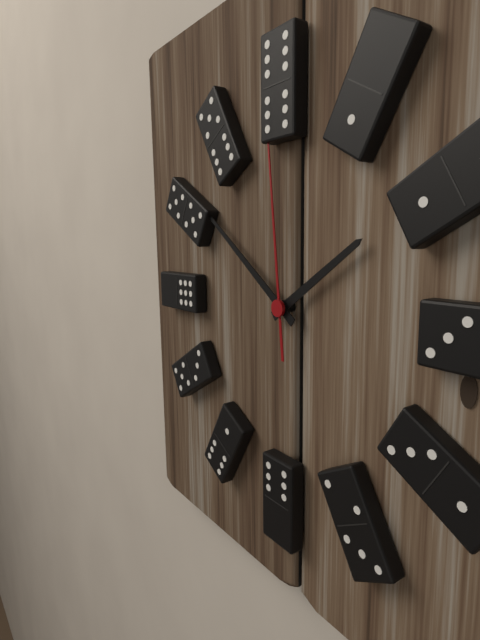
1:51:59
